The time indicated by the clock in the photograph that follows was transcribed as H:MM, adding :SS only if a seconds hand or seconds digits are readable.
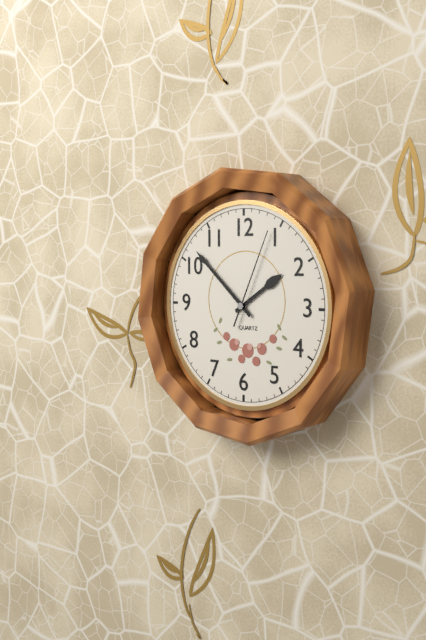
1:52:04
